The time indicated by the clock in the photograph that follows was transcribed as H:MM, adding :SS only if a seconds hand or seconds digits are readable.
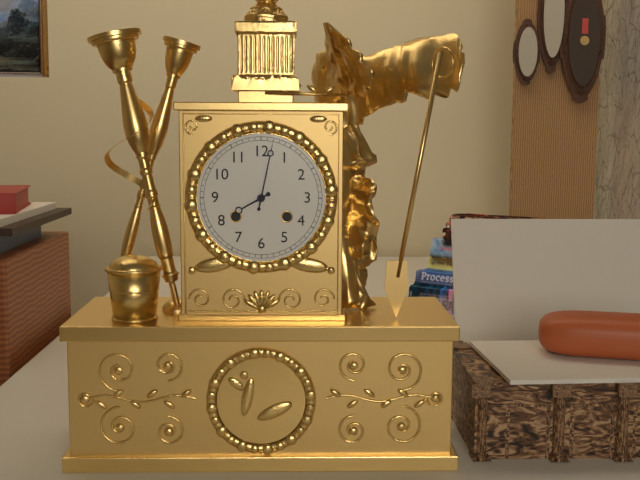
8:02
